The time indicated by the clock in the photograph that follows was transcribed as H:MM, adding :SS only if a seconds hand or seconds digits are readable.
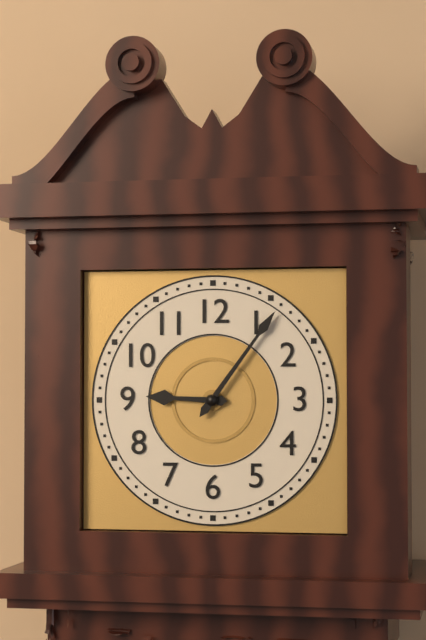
9:06
